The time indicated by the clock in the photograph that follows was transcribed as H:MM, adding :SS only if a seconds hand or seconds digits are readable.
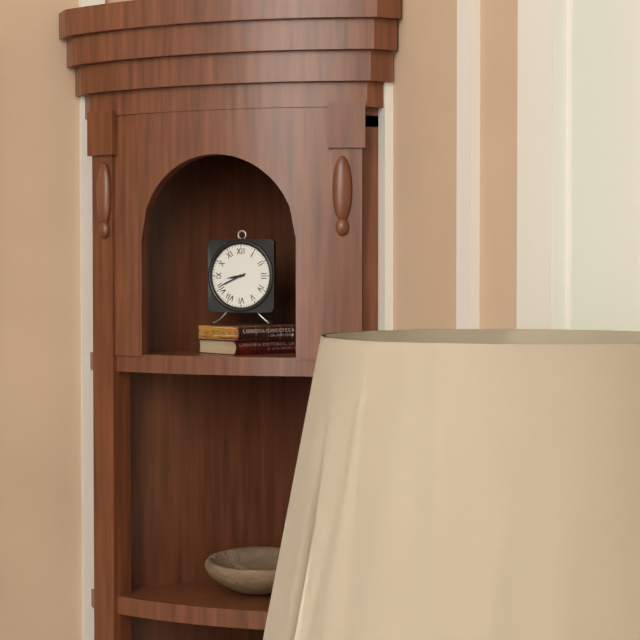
8:41
